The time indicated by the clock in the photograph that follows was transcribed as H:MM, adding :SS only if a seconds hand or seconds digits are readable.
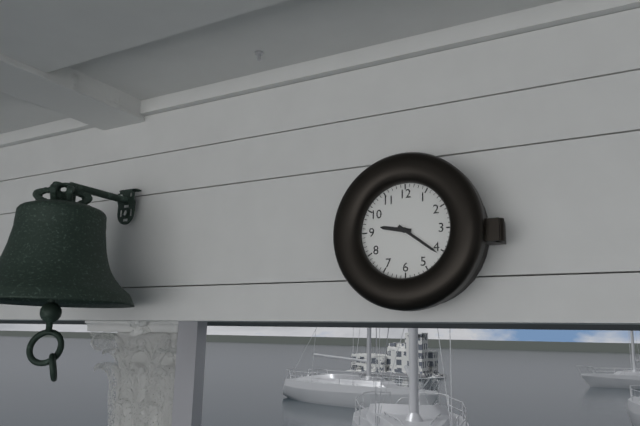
9:21
